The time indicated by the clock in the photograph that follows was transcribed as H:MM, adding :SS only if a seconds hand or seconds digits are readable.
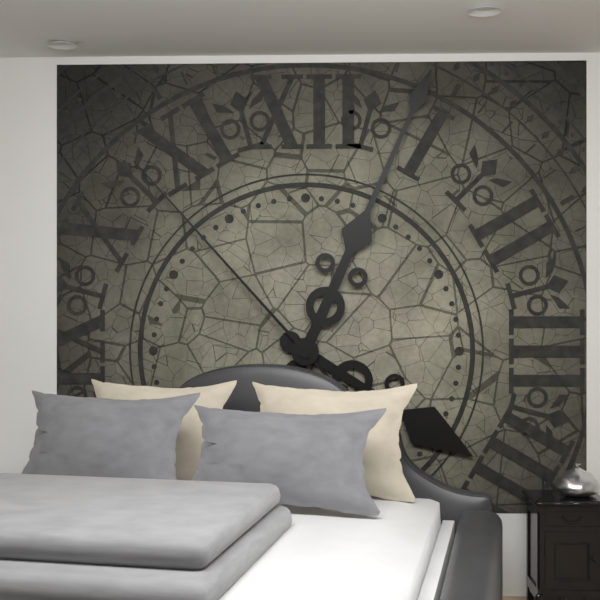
4:04:53
